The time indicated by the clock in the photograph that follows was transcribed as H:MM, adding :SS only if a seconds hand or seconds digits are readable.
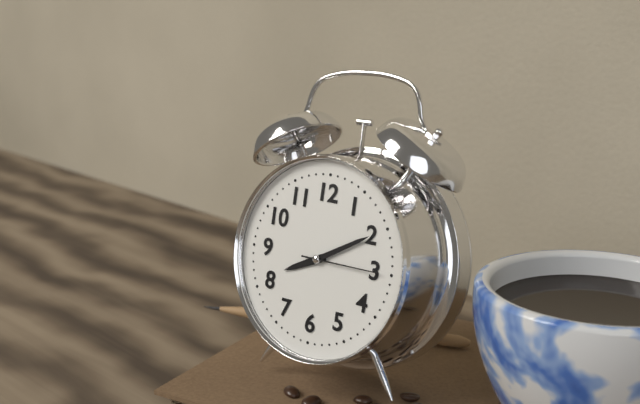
8:10:15
